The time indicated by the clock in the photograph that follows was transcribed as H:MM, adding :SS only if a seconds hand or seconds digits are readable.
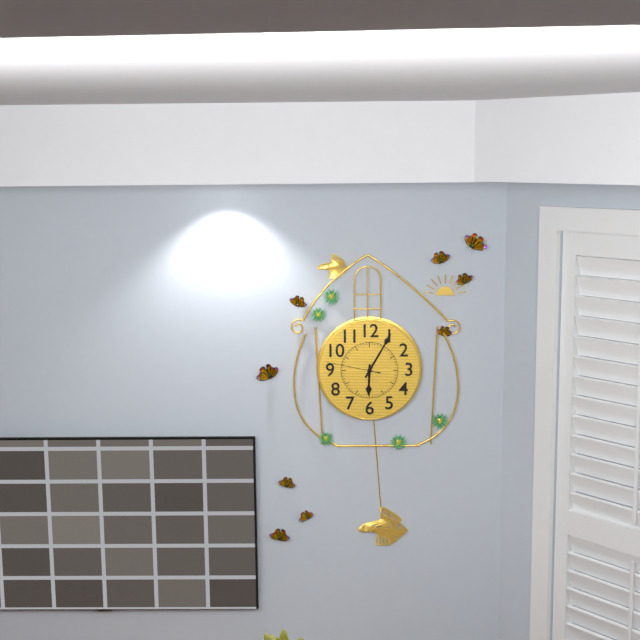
6:05:47
